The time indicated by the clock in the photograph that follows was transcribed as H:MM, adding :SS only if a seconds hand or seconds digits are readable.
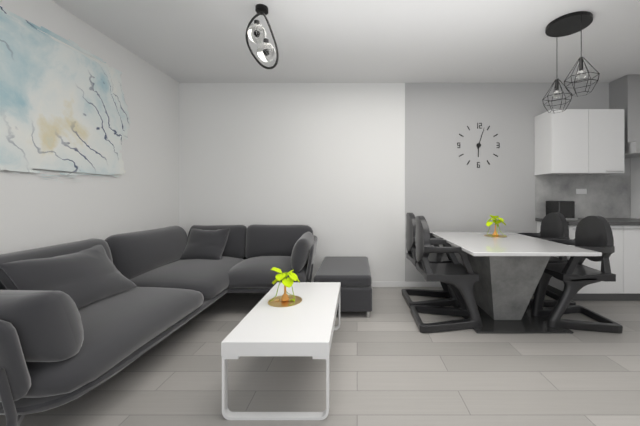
6:03
